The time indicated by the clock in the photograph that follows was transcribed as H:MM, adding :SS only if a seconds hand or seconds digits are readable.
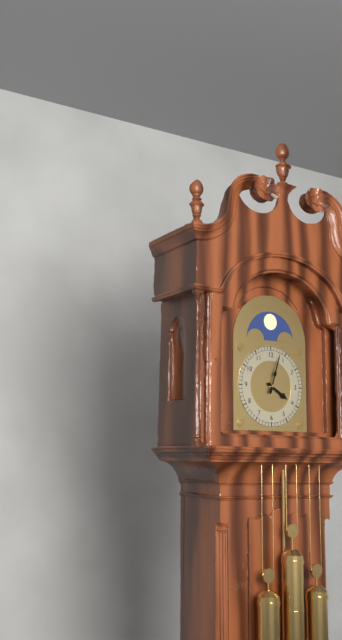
4:03
